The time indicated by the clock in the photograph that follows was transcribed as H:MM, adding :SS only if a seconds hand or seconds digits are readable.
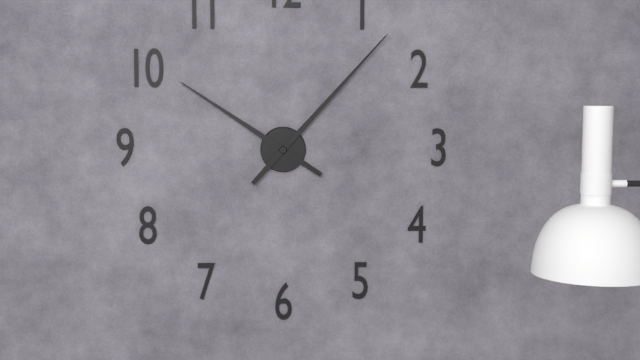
10:07
